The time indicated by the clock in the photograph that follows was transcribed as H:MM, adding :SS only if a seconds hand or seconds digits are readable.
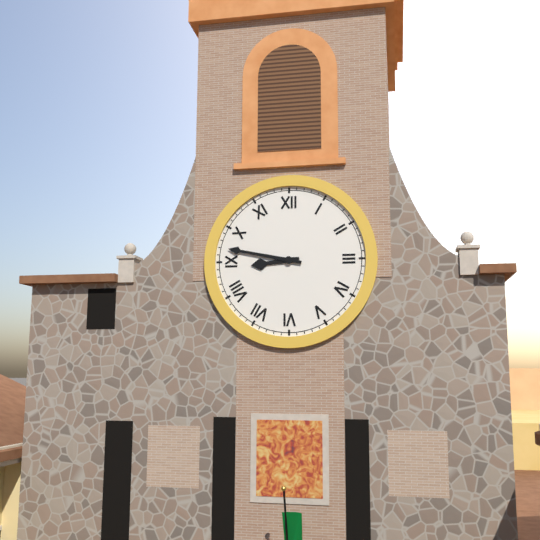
8:47
